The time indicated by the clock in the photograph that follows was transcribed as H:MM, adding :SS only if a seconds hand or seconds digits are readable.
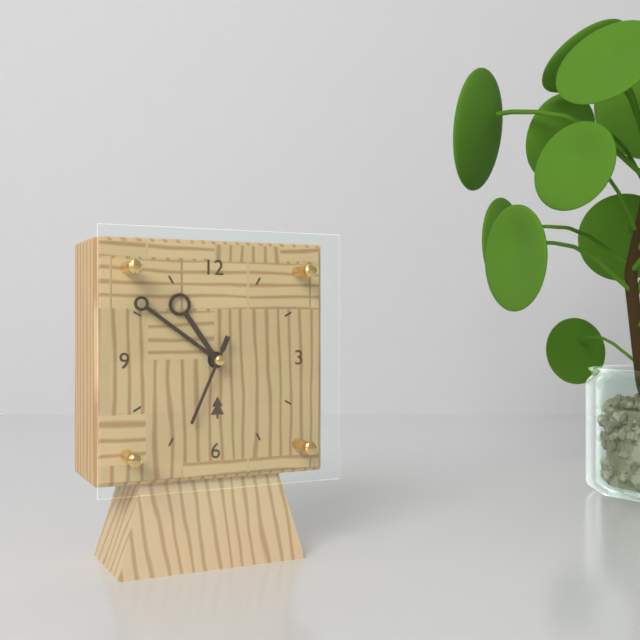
10:51:34
